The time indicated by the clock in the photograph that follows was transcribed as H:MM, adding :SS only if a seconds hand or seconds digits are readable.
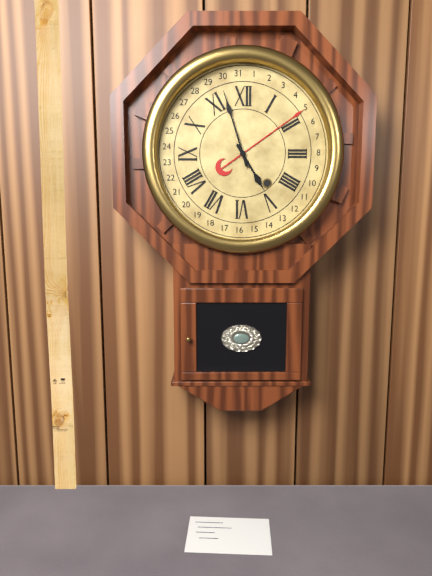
4:57
